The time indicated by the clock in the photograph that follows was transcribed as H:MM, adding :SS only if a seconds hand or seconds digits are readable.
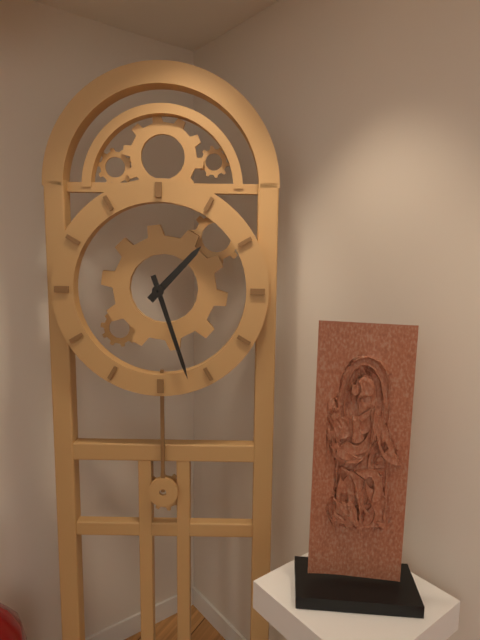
1:27
